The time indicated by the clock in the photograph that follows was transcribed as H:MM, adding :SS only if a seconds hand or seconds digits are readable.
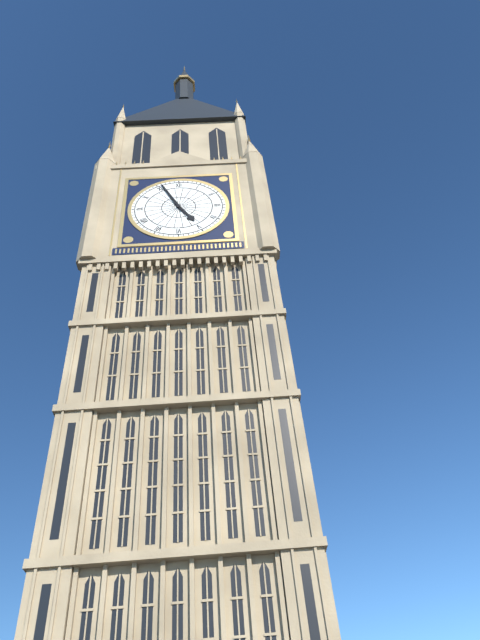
4:56
